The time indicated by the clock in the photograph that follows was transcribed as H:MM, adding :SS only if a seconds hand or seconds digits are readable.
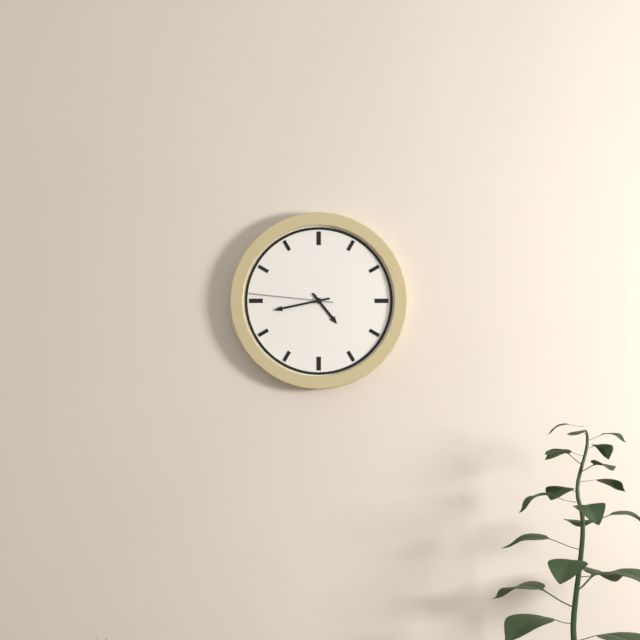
4:43:46
